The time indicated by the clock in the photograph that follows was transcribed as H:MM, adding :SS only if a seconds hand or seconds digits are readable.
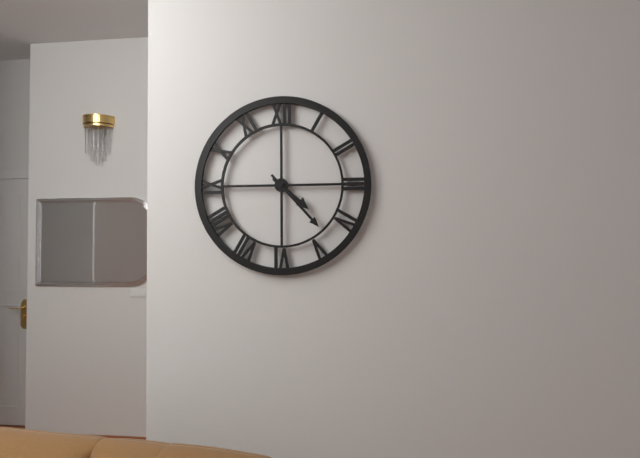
4:23
